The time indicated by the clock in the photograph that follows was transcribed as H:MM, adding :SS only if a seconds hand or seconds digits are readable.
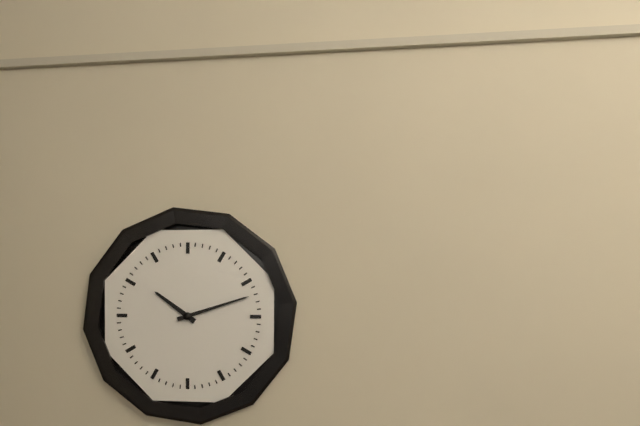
10:12
